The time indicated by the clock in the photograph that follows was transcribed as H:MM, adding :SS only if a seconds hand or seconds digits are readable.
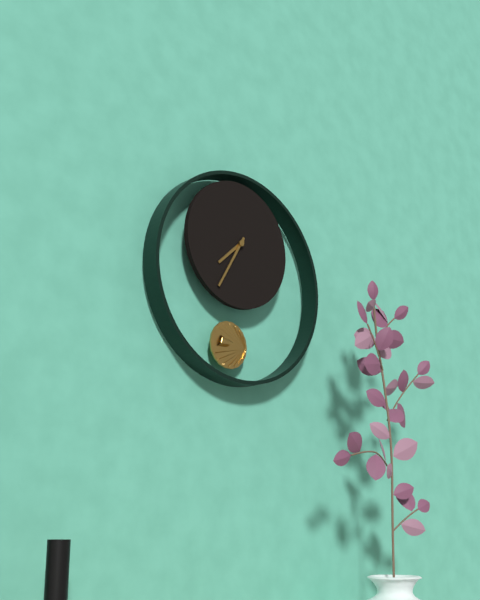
7:35
